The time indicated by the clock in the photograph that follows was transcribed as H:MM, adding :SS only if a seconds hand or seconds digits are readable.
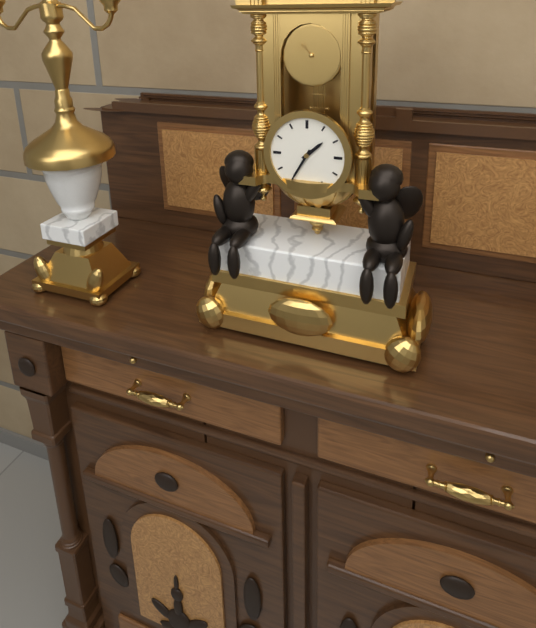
1:35
